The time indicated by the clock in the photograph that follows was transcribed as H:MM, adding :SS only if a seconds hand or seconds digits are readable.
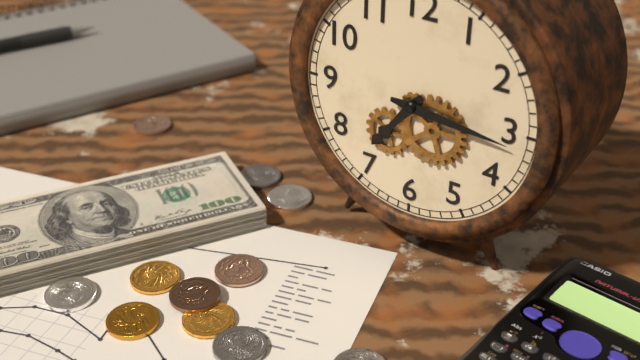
7:16
